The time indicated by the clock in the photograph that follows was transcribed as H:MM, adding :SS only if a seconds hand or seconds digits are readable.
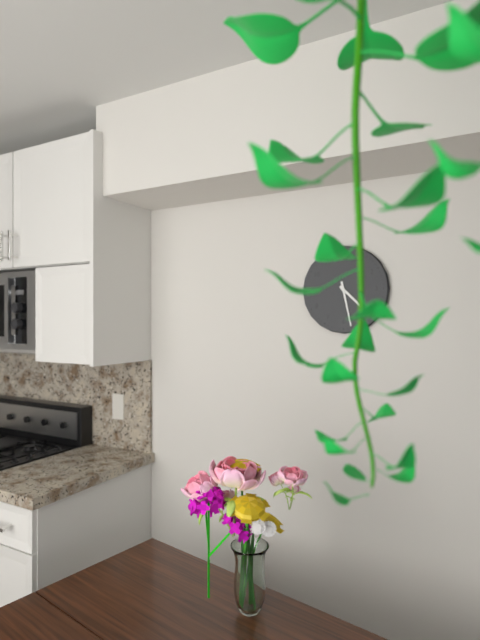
4:28
